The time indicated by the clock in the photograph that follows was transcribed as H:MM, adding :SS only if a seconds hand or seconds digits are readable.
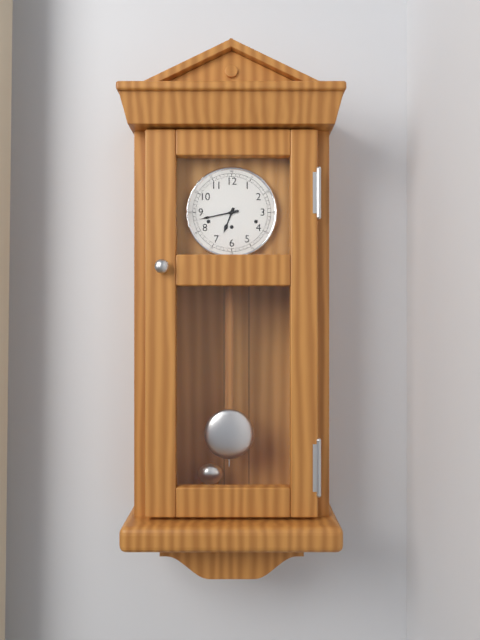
6:43
